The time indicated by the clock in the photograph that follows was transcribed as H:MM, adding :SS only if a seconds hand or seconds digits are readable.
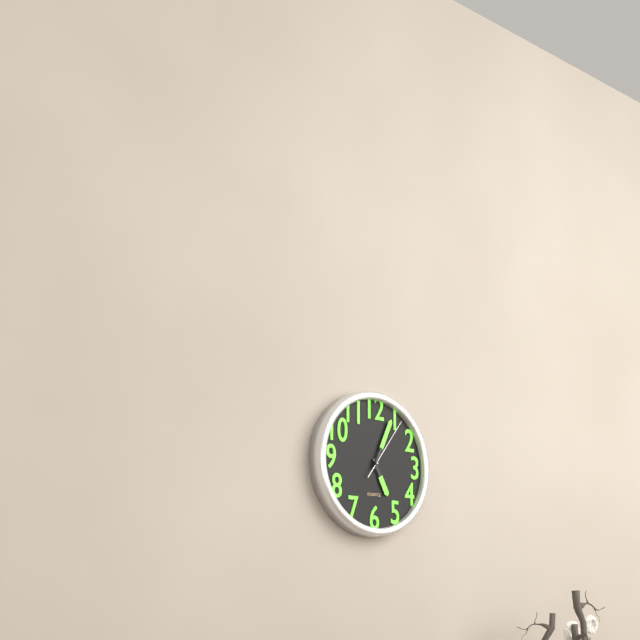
5:04:06
